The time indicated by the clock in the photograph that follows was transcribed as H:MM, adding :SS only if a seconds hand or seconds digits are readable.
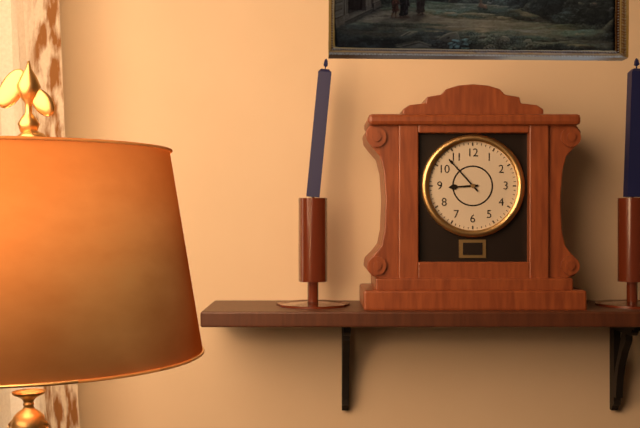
8:53
